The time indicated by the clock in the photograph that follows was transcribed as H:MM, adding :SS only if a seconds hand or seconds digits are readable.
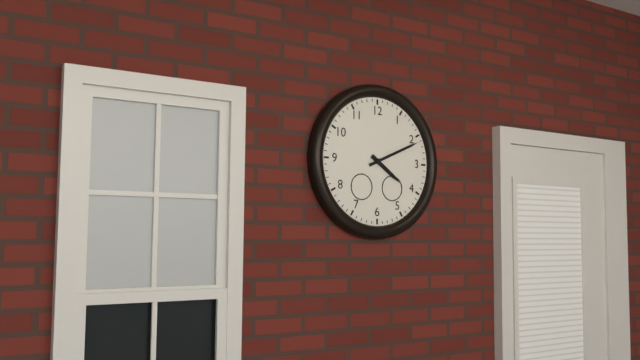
4:11
